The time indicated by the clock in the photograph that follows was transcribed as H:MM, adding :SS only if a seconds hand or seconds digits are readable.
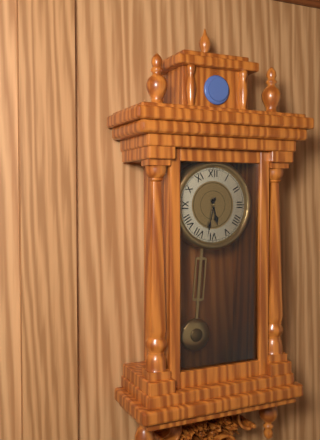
5:32
